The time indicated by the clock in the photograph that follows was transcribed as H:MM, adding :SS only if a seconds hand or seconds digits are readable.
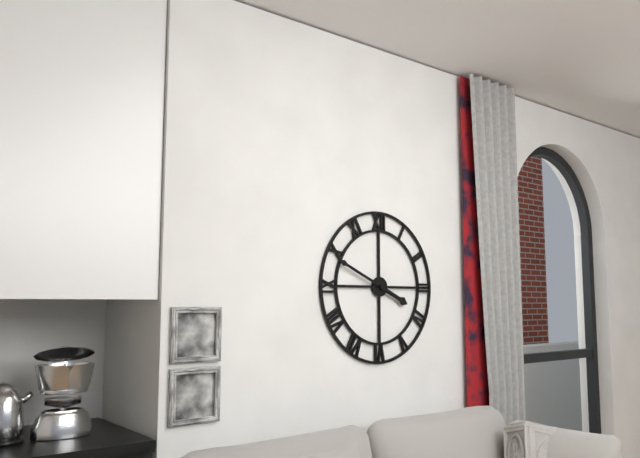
3:49
